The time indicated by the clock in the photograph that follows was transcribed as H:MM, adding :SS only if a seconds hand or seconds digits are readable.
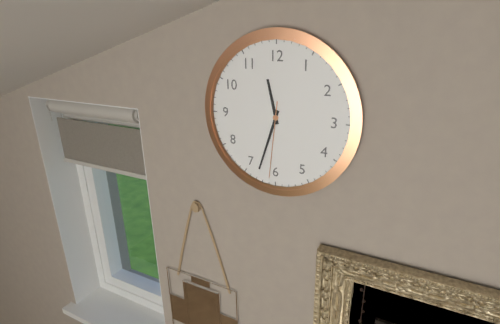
11:33:31
